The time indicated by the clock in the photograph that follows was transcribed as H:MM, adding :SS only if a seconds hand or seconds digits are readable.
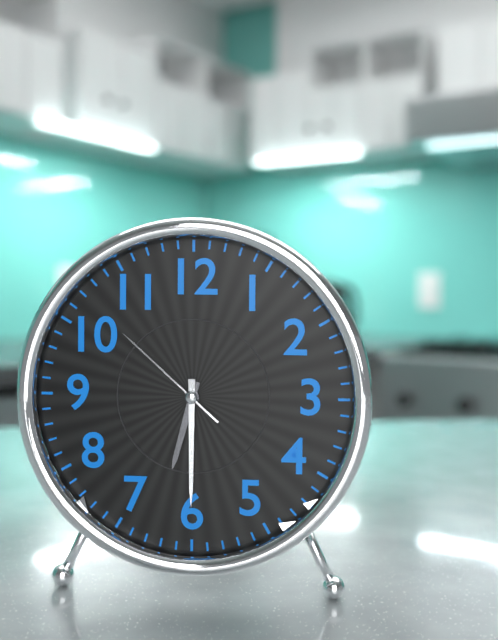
6:30:52
